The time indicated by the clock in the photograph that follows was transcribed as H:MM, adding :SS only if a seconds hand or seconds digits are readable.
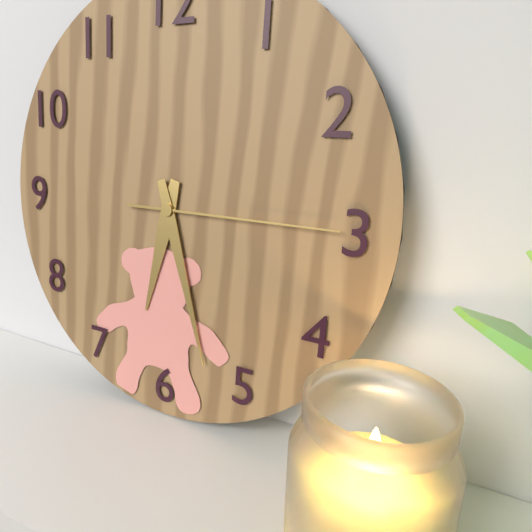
6:27:15
